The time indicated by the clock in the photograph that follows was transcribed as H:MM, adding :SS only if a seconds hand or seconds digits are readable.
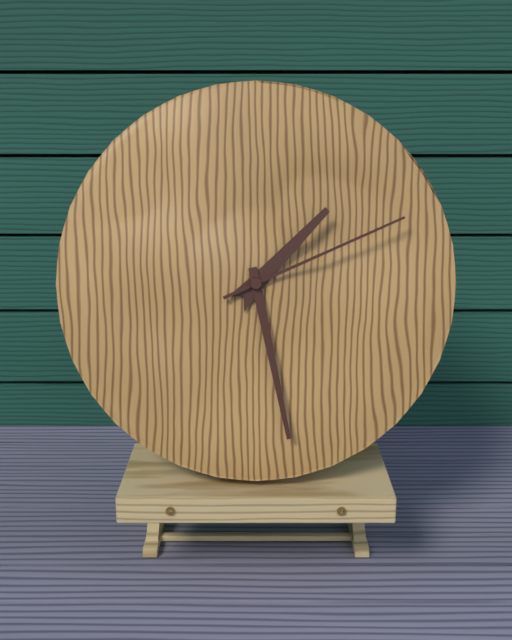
1:28:11
